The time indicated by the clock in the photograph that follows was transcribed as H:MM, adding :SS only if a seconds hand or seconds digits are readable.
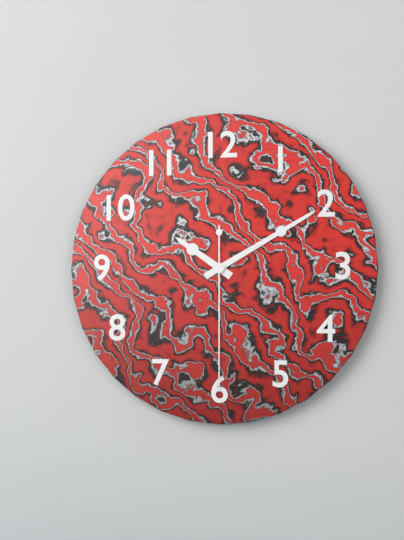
10:10:30
